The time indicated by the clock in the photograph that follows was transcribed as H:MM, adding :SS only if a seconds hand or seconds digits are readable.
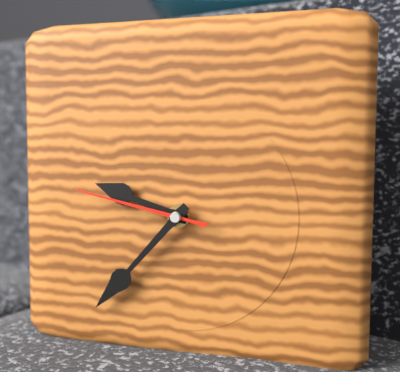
9:37:47
